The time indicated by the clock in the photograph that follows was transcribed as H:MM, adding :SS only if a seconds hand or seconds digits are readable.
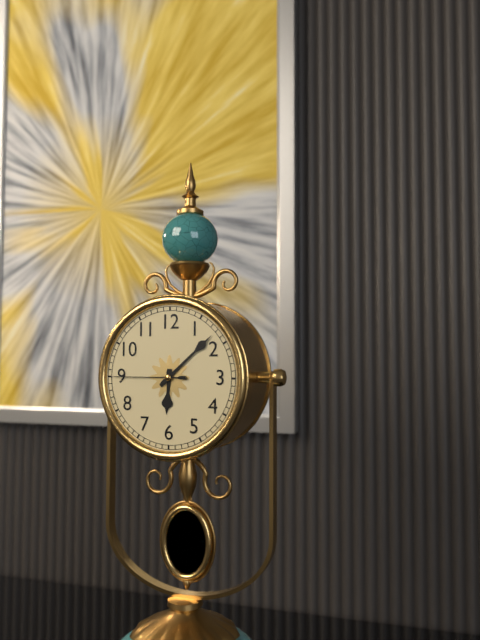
6:08:45
